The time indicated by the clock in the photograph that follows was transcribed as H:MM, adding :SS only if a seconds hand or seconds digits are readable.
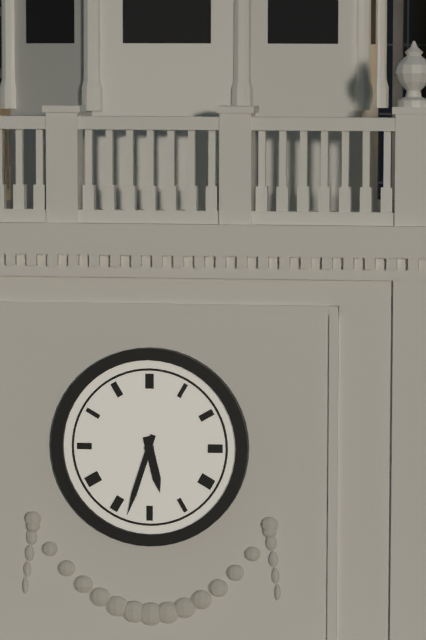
5:33
